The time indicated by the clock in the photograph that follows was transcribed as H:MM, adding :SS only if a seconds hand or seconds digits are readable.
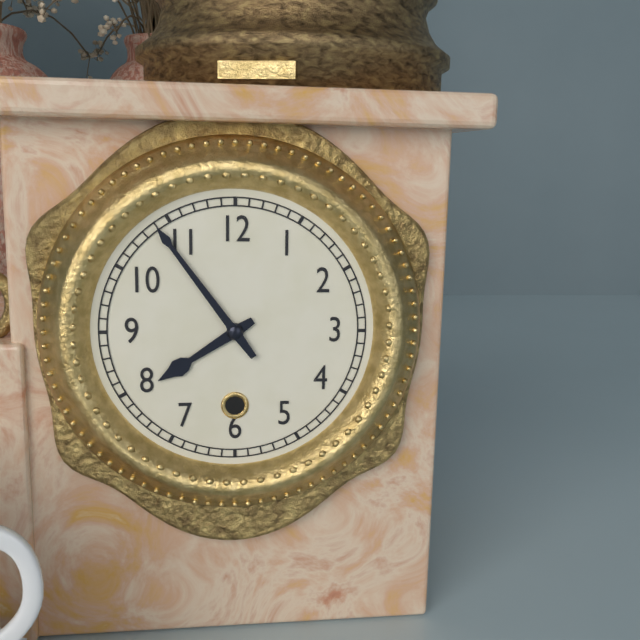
7:54
